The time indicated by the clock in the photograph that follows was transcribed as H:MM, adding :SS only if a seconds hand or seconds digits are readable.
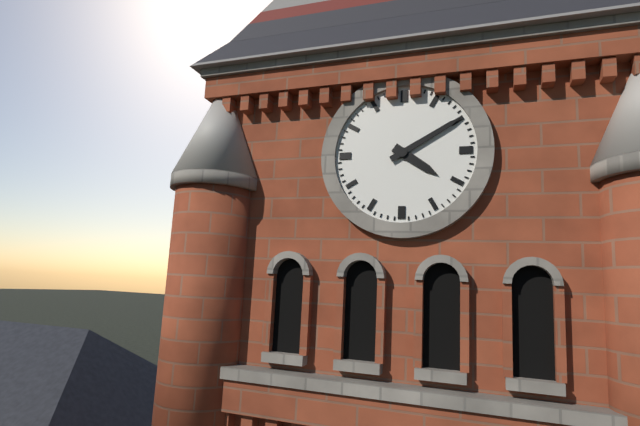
4:10
